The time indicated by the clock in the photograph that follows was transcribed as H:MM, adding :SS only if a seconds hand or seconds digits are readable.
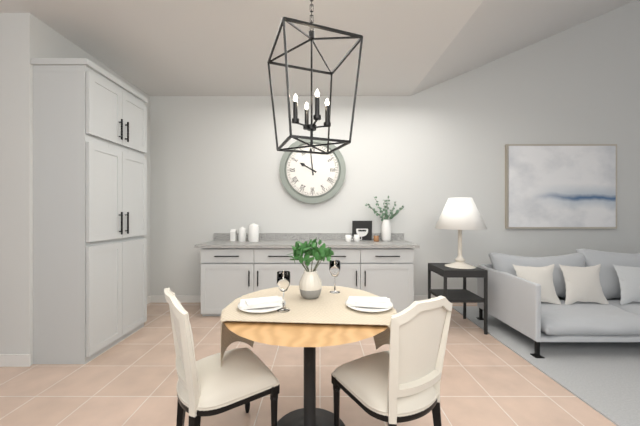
9:59
